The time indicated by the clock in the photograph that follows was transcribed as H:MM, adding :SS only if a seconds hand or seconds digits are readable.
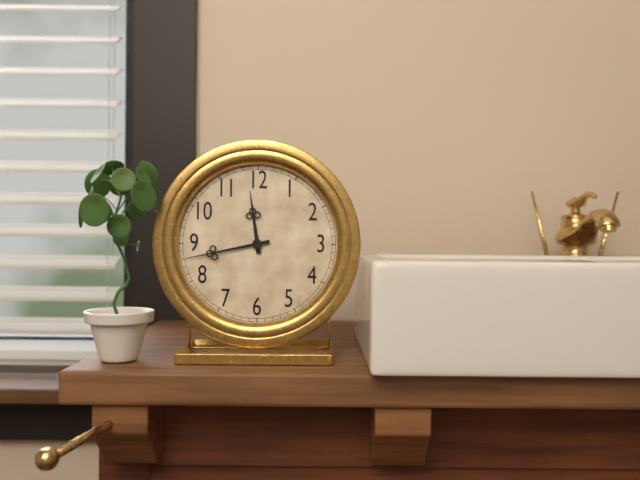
11:43
